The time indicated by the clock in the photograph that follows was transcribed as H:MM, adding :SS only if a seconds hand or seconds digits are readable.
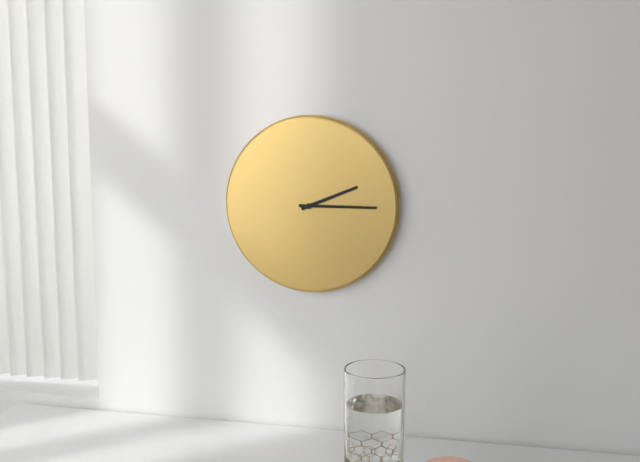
2:15
